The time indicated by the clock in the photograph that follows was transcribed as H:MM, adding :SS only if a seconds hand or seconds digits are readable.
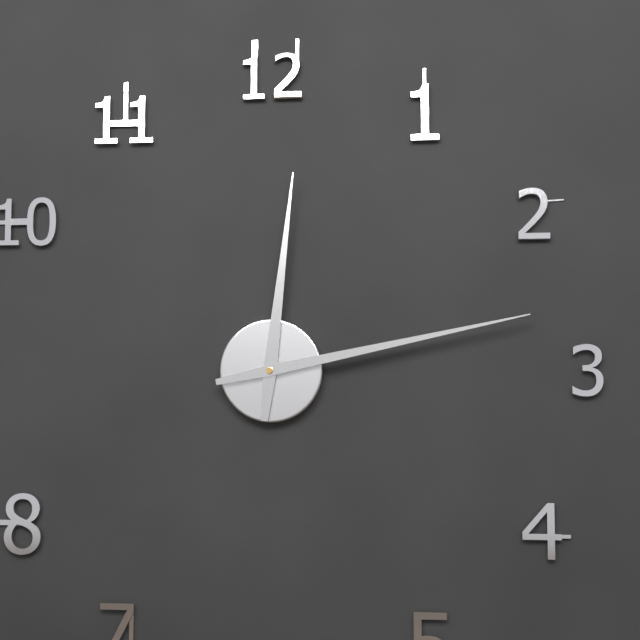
12:13
